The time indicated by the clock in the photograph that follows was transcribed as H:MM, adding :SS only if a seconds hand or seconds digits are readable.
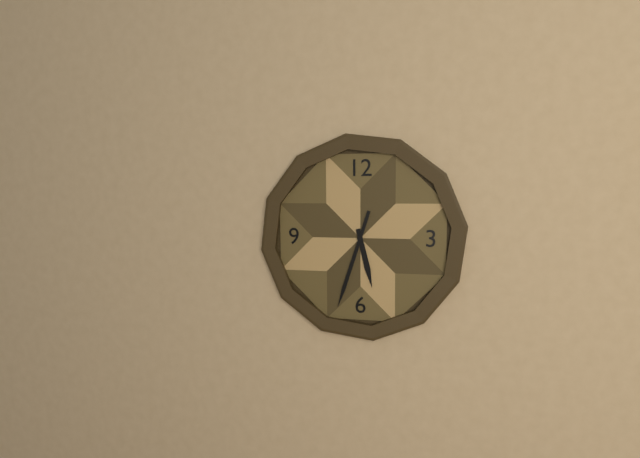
5:33
